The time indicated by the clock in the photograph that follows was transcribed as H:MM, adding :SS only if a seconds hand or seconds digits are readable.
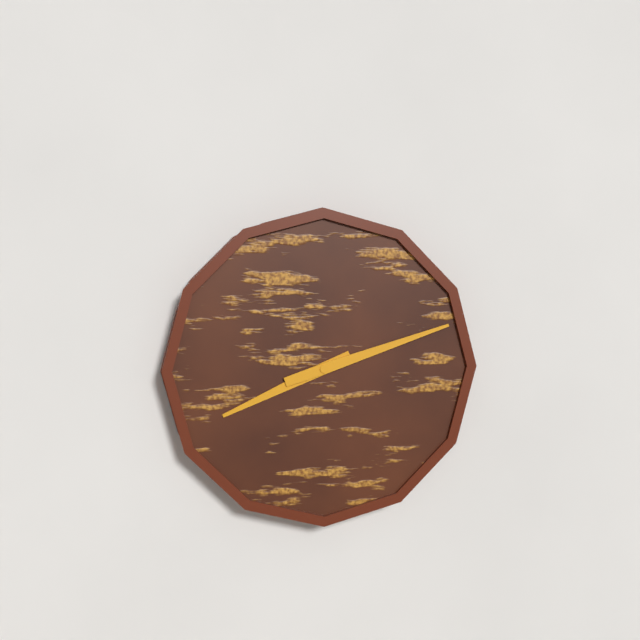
8:12
